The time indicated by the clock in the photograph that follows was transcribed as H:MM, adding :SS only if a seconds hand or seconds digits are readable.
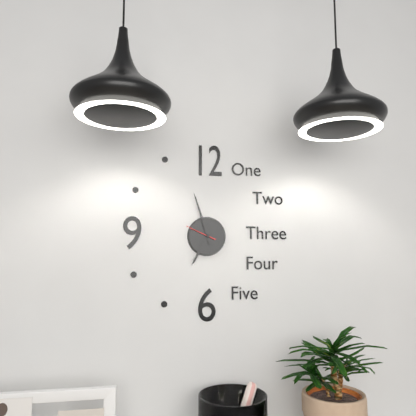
6:57
